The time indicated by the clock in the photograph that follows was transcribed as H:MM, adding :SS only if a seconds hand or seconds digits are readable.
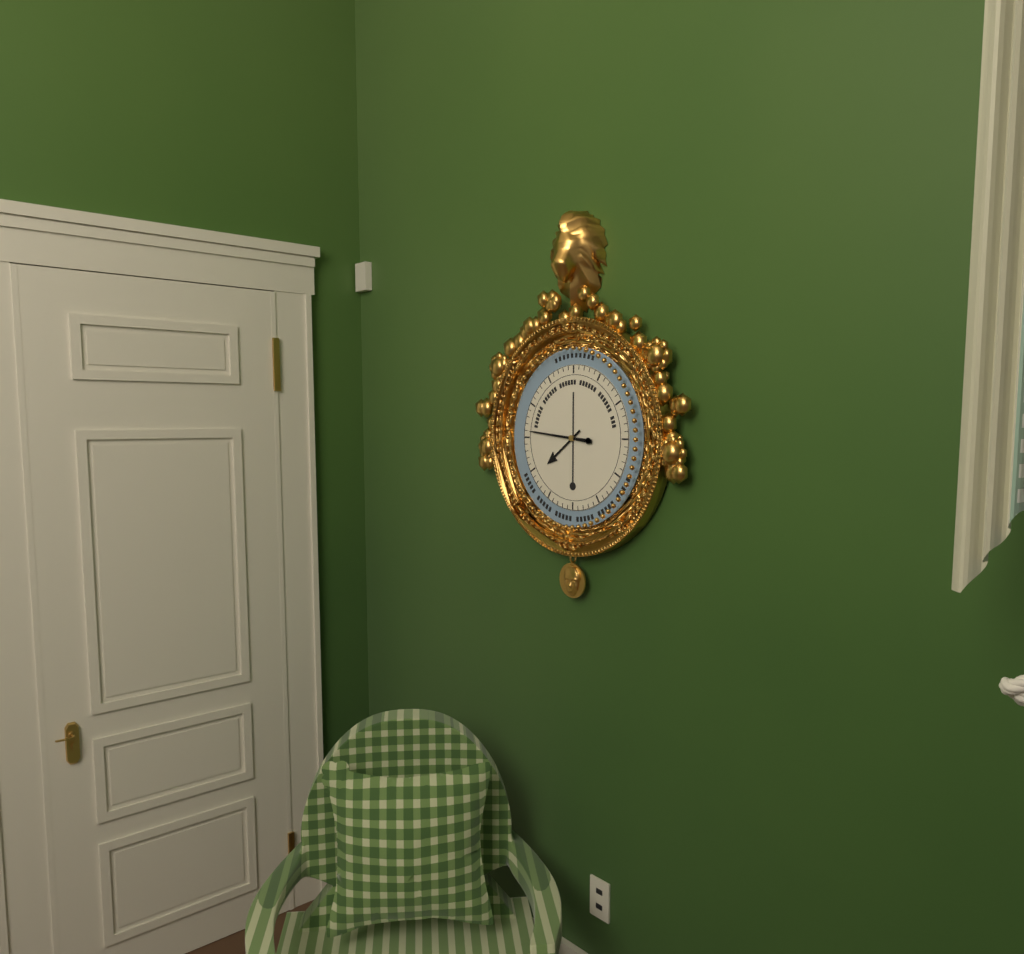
7:46
